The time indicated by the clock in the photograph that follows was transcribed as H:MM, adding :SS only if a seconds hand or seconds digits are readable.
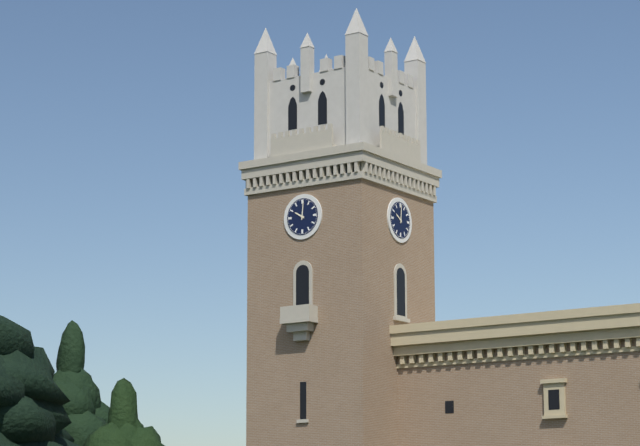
10:01
